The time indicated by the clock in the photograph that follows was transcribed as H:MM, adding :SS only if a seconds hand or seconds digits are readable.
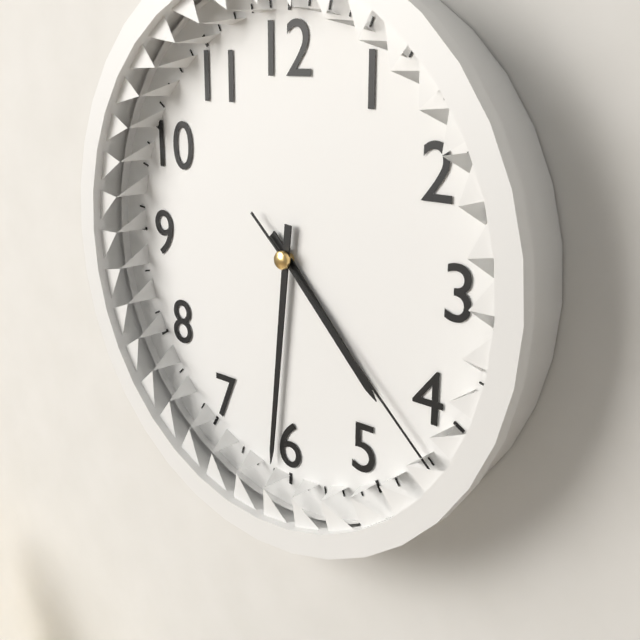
4:31:22
